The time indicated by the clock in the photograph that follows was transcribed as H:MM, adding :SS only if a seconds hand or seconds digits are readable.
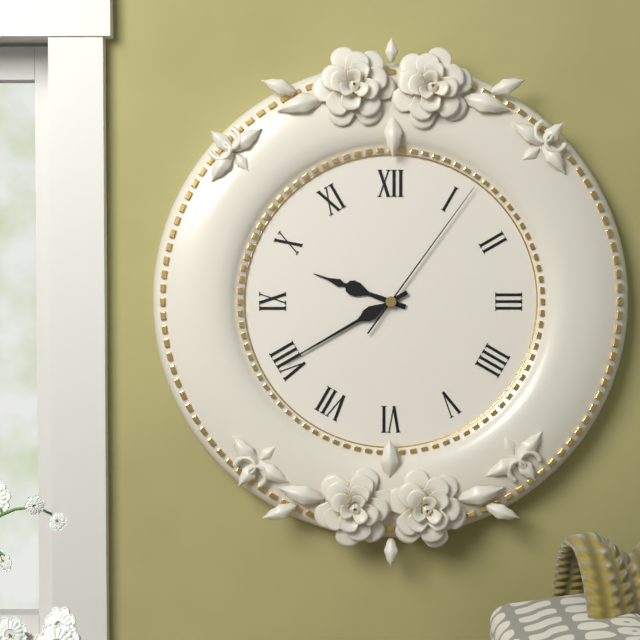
9:40:06
